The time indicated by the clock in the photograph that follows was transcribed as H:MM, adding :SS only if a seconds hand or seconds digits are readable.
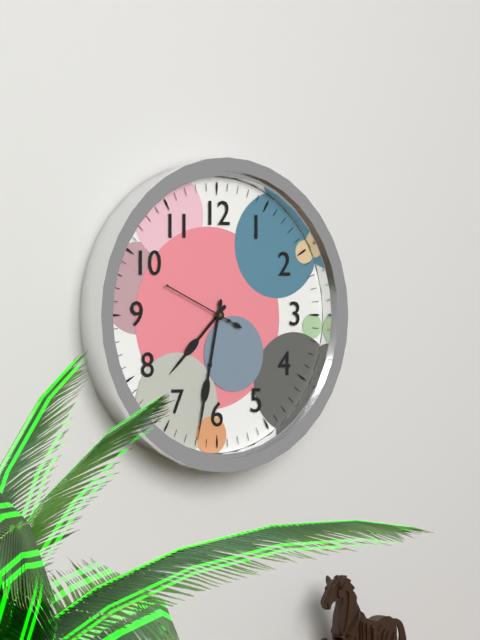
7:32:49
